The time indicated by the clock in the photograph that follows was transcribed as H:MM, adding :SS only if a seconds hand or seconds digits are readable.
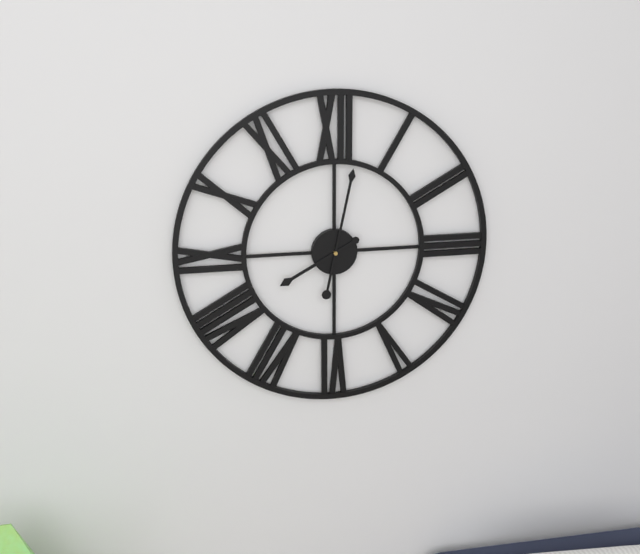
8:02
